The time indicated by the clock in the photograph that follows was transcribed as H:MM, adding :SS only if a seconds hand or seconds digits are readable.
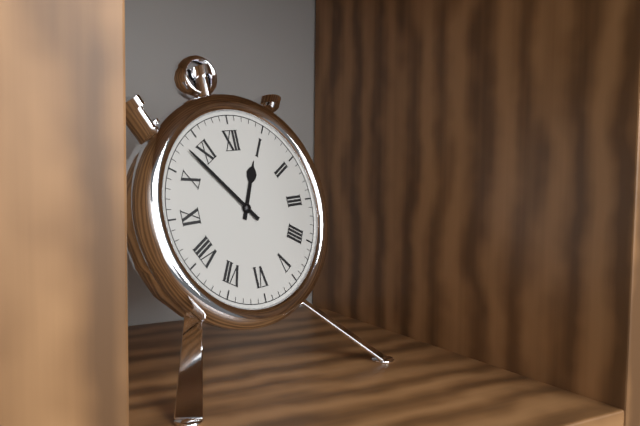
12:53
